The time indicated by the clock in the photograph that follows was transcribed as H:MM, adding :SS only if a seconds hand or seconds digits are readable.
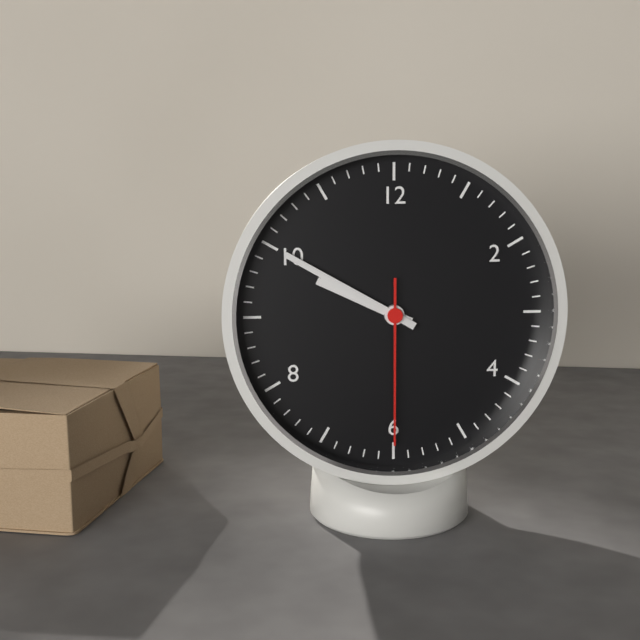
9:50:30
